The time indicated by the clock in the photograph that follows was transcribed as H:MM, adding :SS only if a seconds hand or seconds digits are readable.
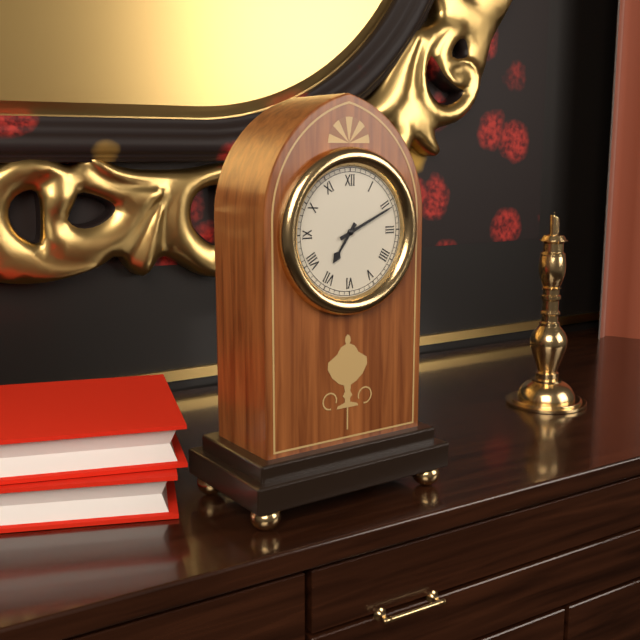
7:11
